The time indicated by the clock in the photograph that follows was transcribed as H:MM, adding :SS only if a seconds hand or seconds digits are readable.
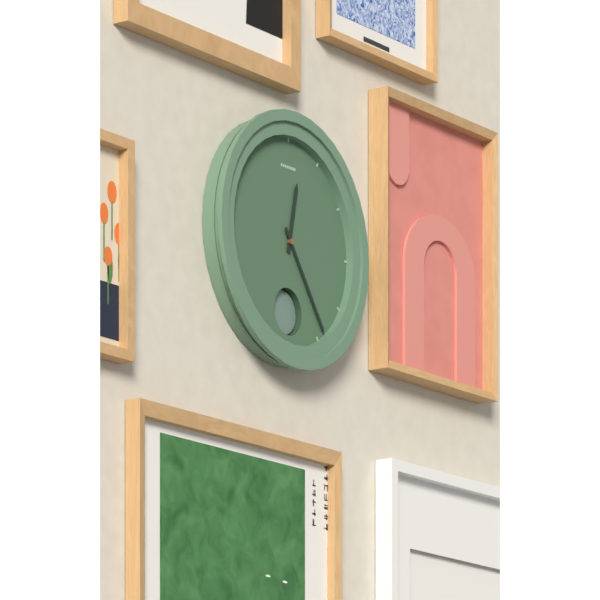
12:24
